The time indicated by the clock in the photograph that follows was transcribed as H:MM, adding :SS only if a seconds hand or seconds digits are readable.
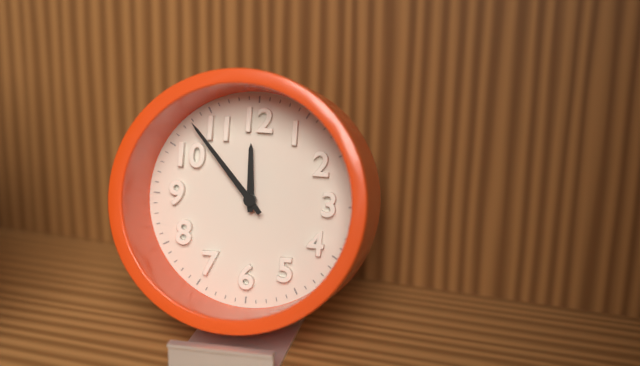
11:53
